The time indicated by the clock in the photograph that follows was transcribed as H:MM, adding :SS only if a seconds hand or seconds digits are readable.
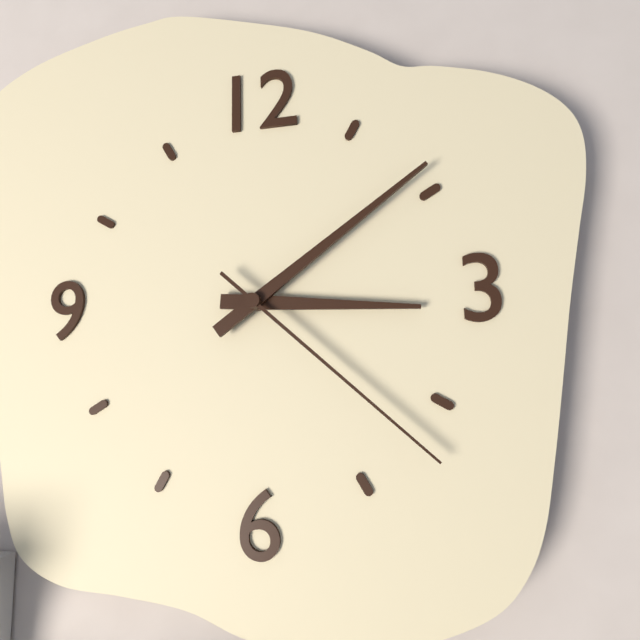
3:09:22
